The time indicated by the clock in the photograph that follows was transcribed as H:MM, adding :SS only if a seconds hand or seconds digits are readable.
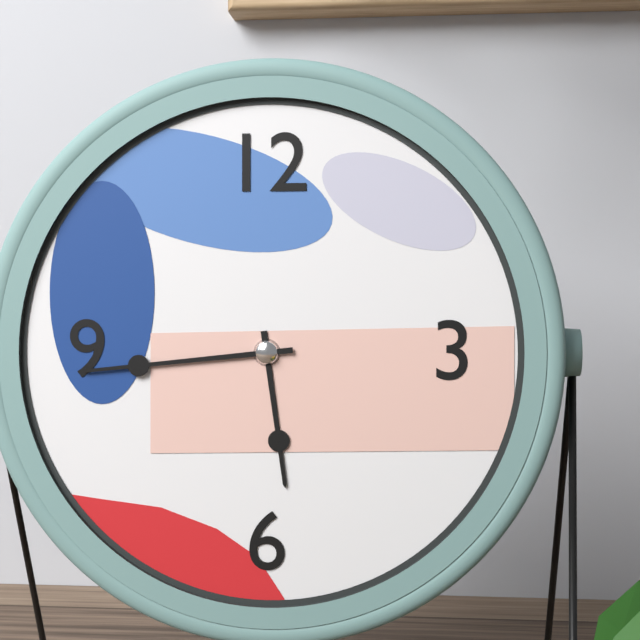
5:44
